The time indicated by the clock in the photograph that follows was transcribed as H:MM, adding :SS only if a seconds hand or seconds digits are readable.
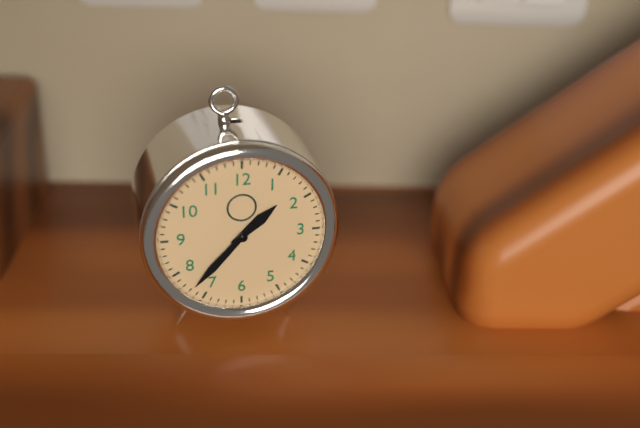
1:37
